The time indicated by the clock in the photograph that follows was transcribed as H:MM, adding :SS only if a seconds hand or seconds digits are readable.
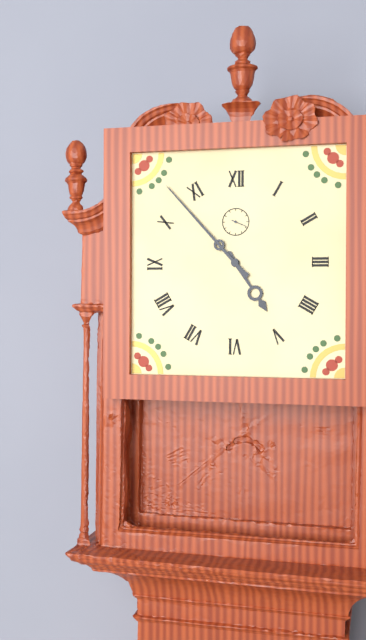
4:53
